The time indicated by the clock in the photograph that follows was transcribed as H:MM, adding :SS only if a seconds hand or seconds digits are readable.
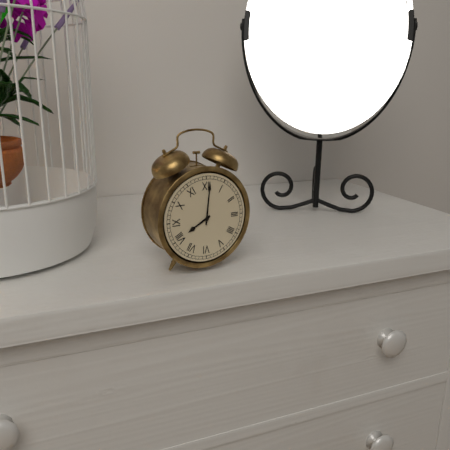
8:01
